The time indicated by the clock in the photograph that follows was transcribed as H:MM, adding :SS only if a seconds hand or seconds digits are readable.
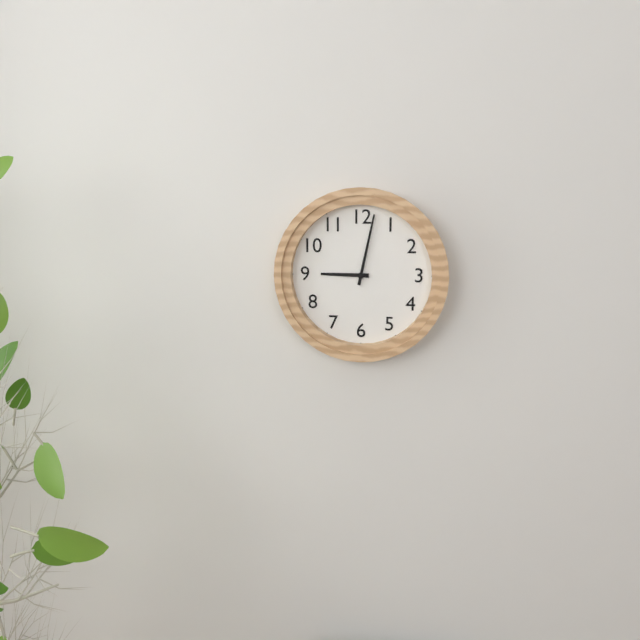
9:02
